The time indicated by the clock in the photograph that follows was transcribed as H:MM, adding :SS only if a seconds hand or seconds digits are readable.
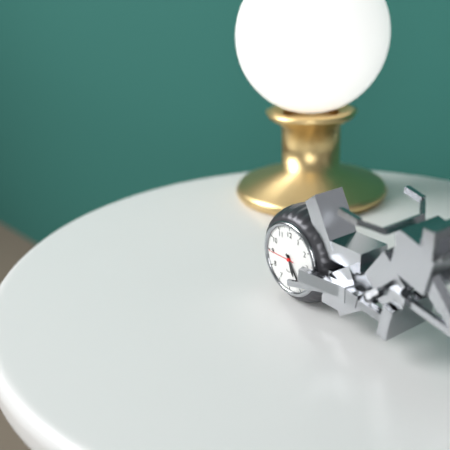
5:24
